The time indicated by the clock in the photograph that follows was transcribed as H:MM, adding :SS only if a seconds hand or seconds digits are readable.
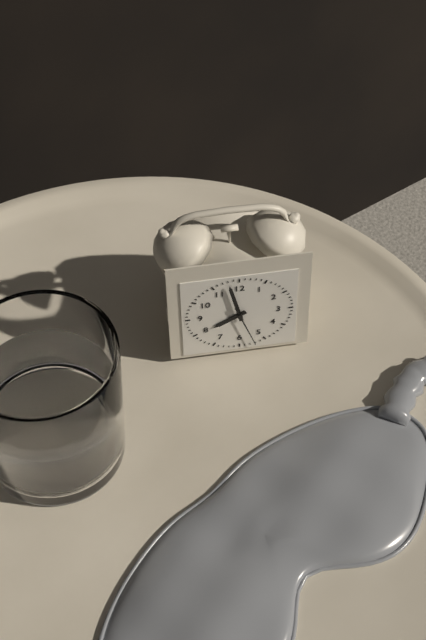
7:58
